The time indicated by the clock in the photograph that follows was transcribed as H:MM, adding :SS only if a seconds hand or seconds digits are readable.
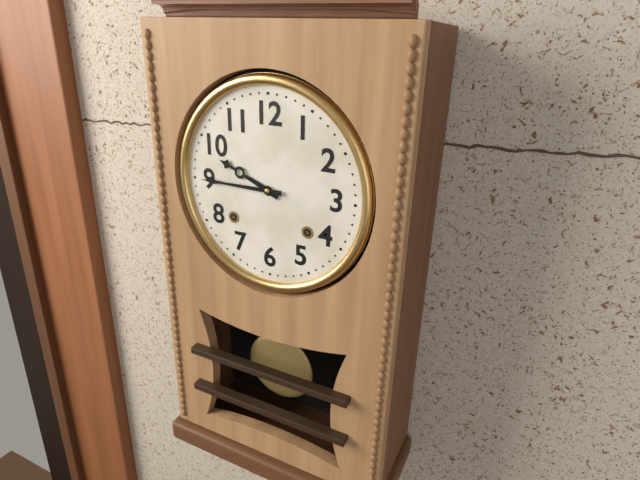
9:45
